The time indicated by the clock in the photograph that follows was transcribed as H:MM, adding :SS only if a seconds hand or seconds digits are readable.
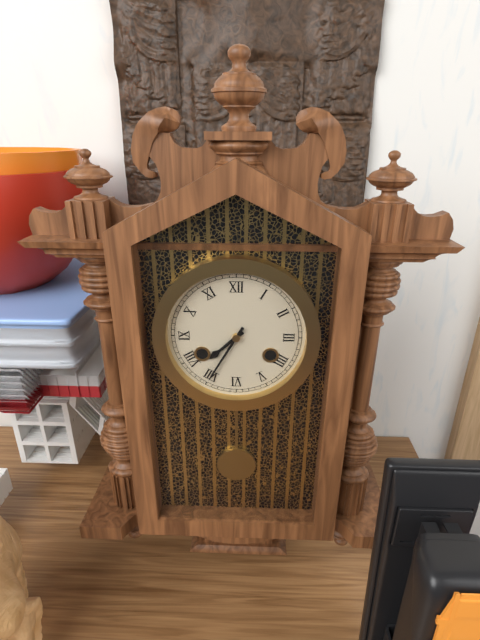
7:35
